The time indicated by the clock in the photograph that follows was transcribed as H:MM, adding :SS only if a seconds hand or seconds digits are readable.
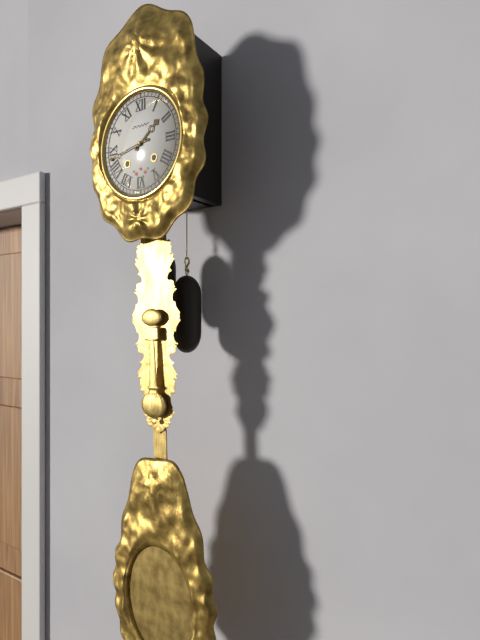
1:43
